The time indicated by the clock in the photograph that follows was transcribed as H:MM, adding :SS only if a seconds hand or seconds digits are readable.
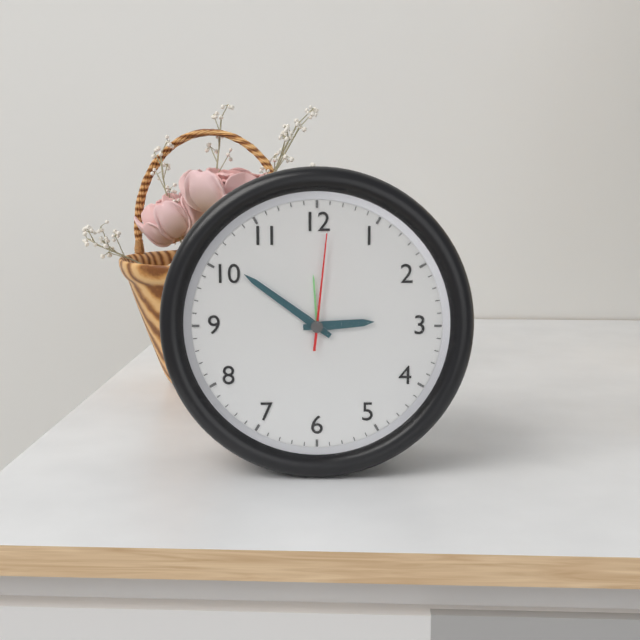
2:51:01
